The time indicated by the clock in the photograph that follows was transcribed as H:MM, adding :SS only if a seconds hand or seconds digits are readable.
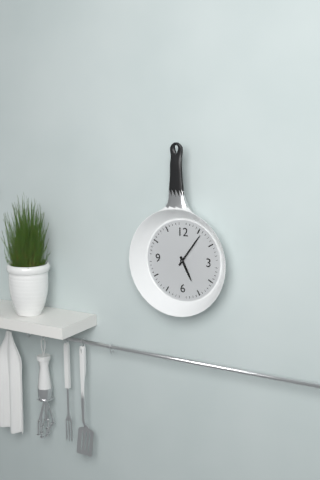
5:06
